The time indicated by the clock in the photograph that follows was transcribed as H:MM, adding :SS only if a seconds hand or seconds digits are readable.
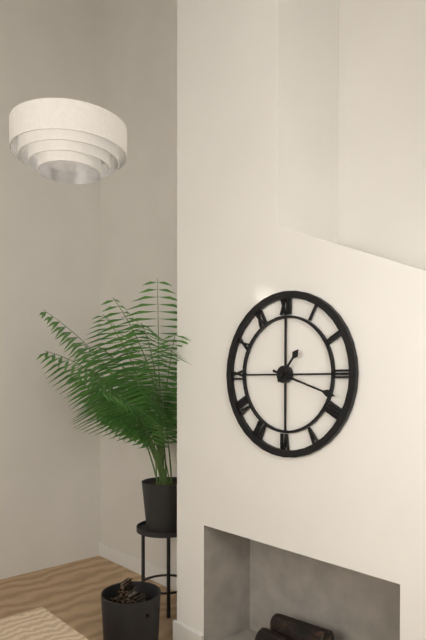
1:18
